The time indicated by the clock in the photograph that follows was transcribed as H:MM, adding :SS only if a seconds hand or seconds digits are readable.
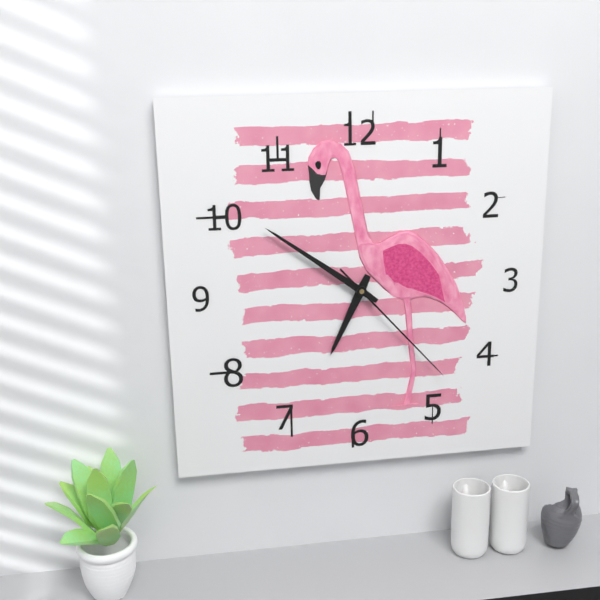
6:51:23
